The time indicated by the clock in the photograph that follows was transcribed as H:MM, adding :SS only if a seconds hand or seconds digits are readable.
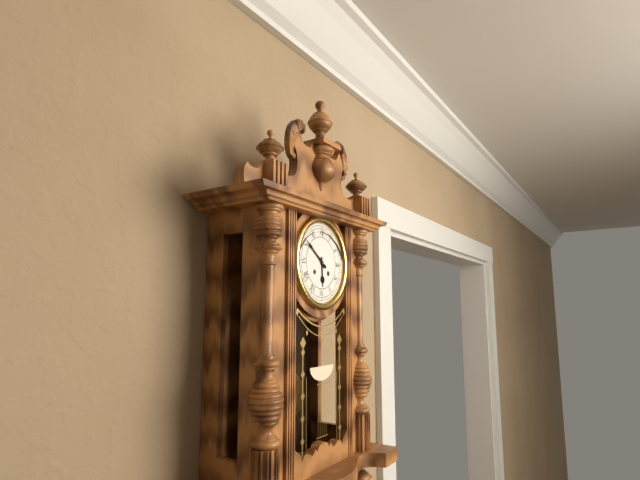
5:51
